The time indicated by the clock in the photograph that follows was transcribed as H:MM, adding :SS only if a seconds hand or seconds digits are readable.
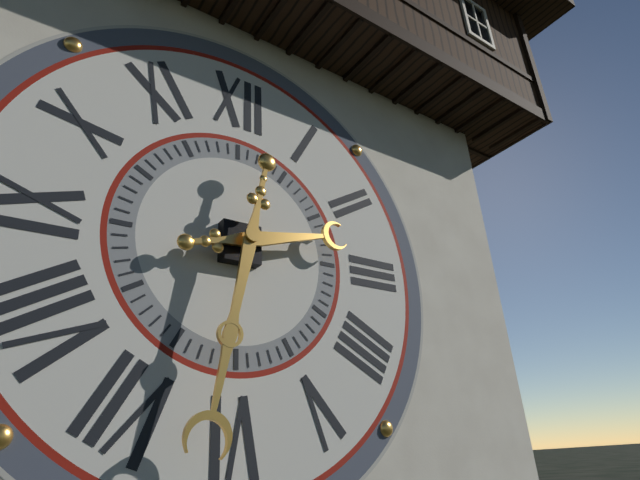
2:32
